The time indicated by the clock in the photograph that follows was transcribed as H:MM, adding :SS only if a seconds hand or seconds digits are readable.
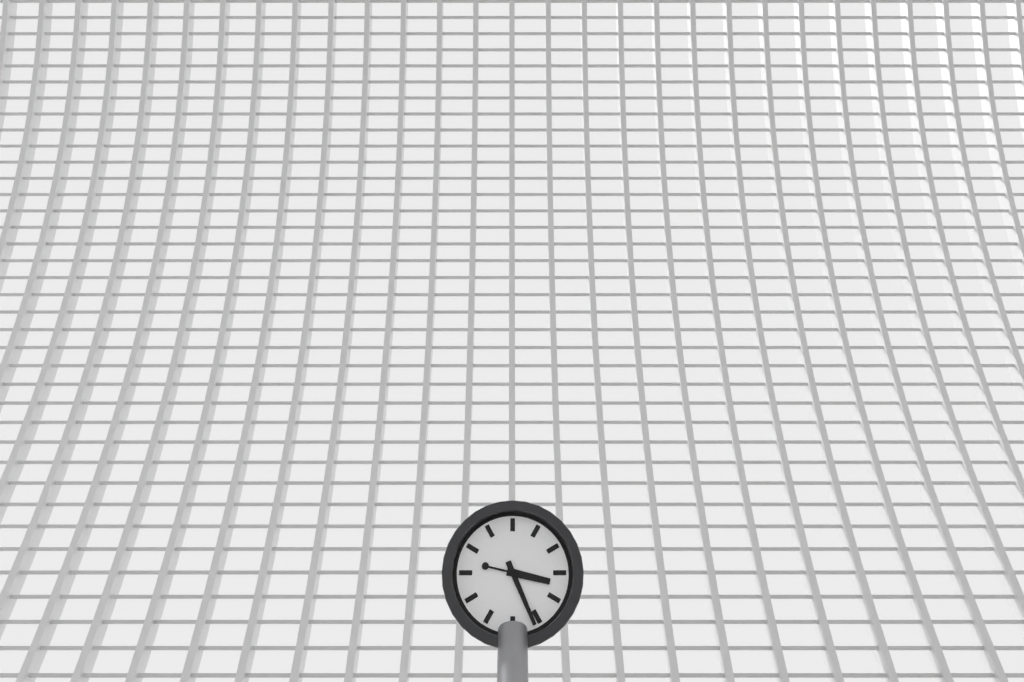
3:26
